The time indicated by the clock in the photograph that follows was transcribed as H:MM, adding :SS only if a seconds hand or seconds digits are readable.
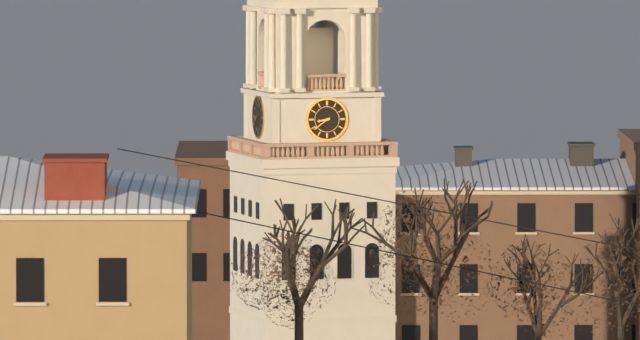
8:39
